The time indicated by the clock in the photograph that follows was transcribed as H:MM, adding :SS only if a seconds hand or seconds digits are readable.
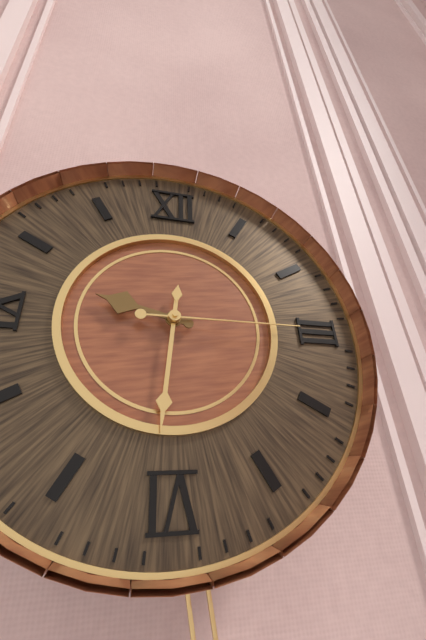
9:31:15
